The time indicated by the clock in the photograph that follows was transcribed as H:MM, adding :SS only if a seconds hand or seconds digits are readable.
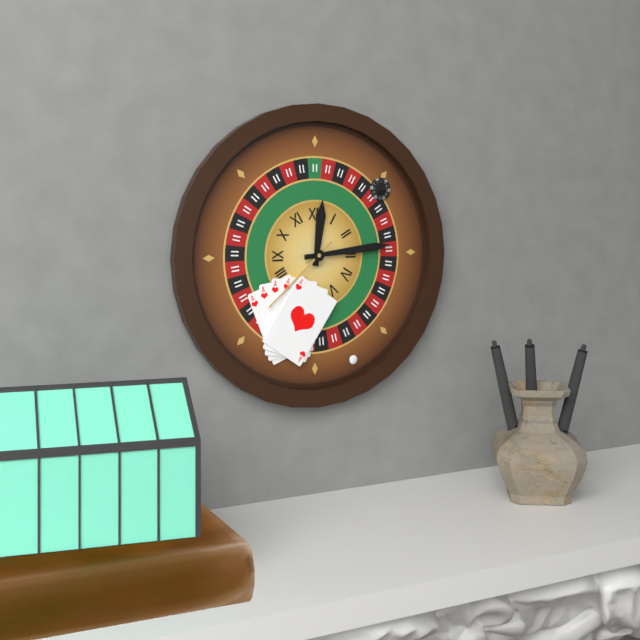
12:14:38
